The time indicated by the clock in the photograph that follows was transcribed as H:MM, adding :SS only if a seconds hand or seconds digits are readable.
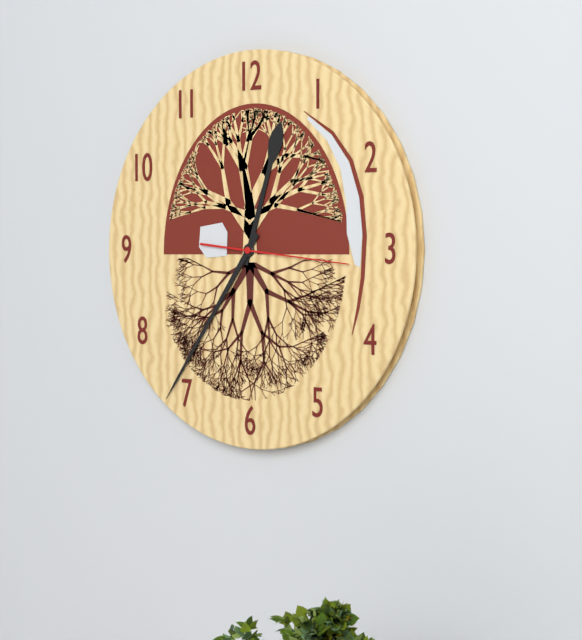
12:36:16
